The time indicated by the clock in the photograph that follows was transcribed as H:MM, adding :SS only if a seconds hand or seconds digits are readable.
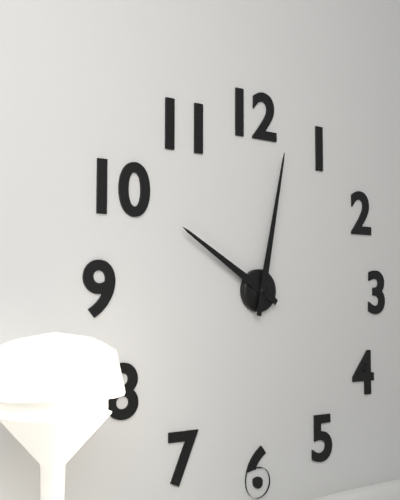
10:02
